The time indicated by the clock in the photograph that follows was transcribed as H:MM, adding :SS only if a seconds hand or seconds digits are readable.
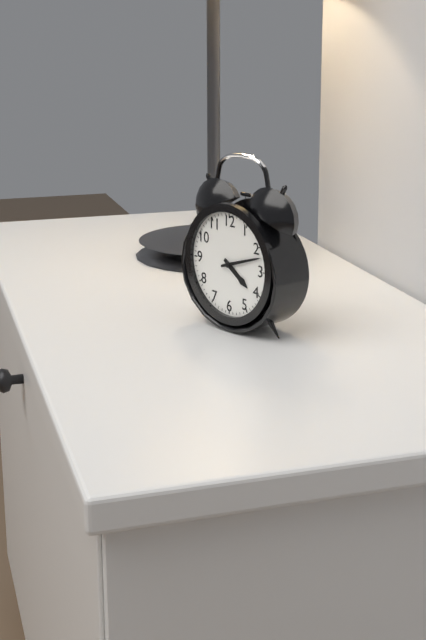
4:12
